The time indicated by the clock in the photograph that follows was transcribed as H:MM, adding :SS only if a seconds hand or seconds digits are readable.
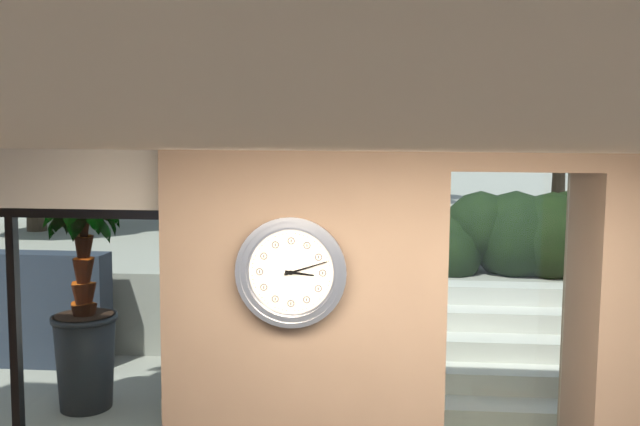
3:12
